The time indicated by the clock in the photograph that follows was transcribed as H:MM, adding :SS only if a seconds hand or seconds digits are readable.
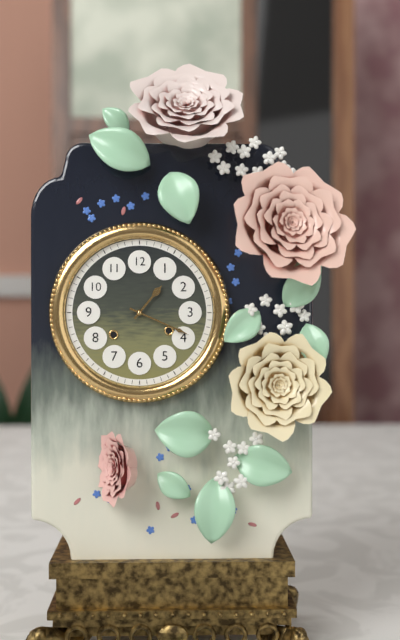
1:19
